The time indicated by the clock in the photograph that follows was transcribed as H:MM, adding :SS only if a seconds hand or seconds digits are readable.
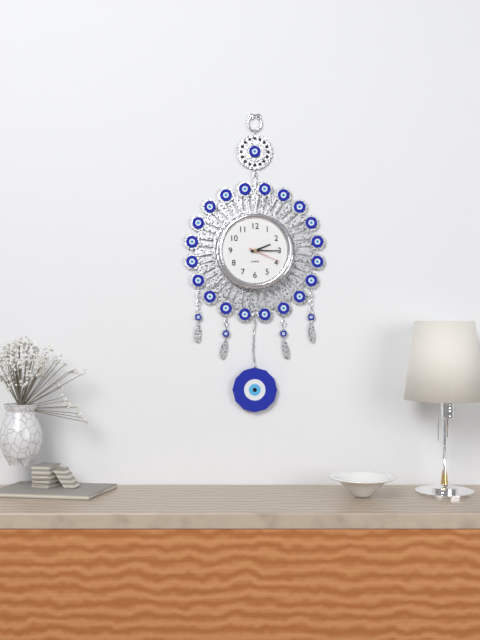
2:15
